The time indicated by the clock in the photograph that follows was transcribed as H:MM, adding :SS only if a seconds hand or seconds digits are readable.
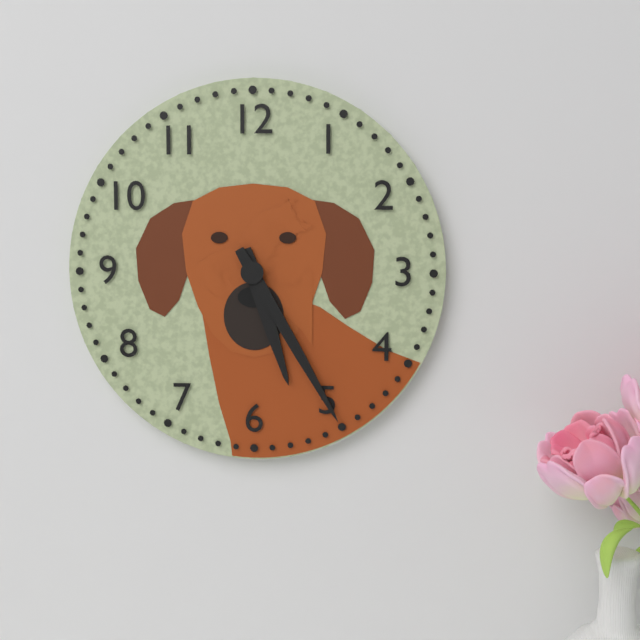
5:25
